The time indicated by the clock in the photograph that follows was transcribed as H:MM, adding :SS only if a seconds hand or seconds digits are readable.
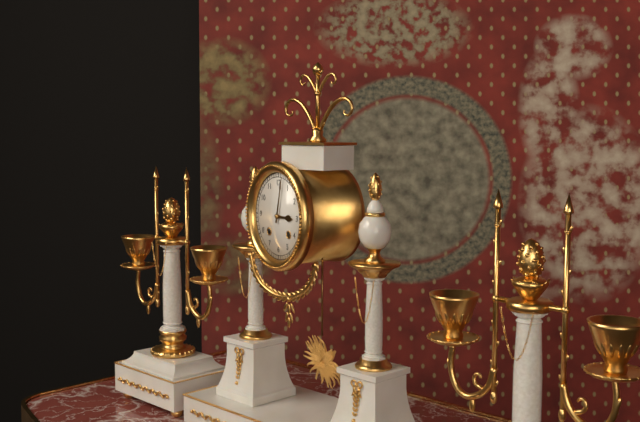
3:02
